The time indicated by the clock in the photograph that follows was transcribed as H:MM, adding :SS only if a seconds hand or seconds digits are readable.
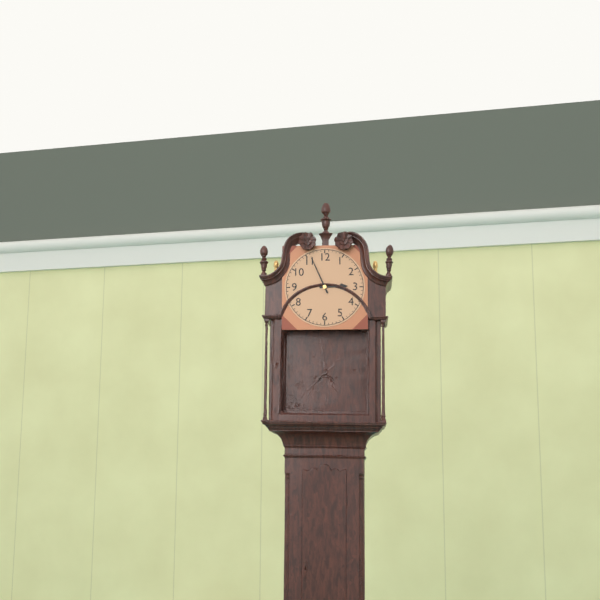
2:56
